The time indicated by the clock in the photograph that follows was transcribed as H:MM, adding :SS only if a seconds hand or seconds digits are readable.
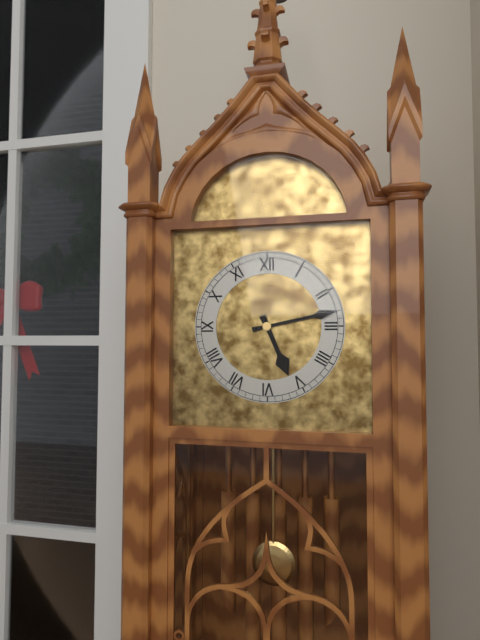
5:13
